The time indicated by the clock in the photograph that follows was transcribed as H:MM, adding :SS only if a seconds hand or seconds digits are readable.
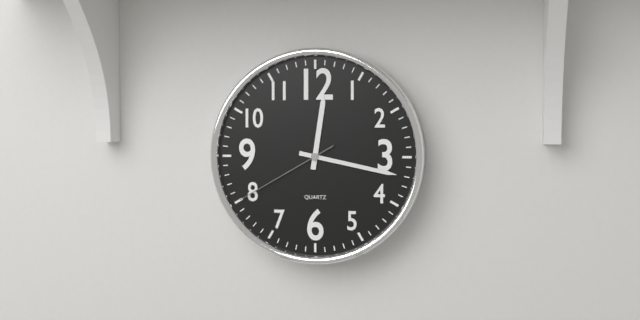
12:17:40
